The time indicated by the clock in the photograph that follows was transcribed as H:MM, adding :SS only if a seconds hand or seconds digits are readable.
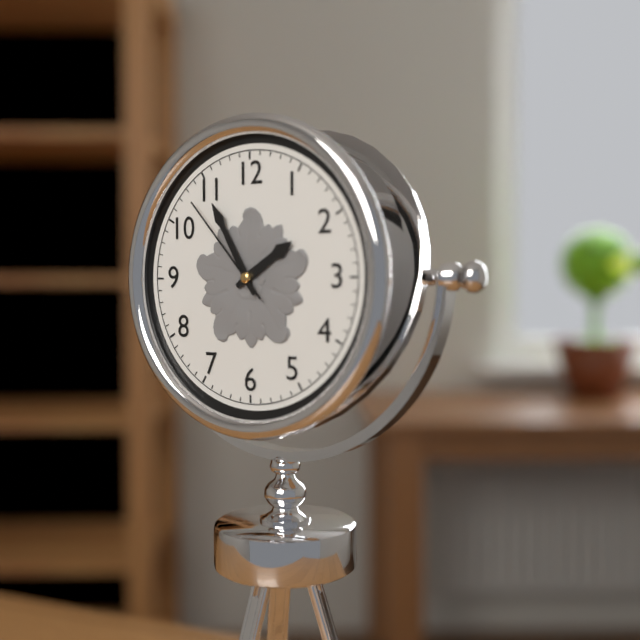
1:55:53
